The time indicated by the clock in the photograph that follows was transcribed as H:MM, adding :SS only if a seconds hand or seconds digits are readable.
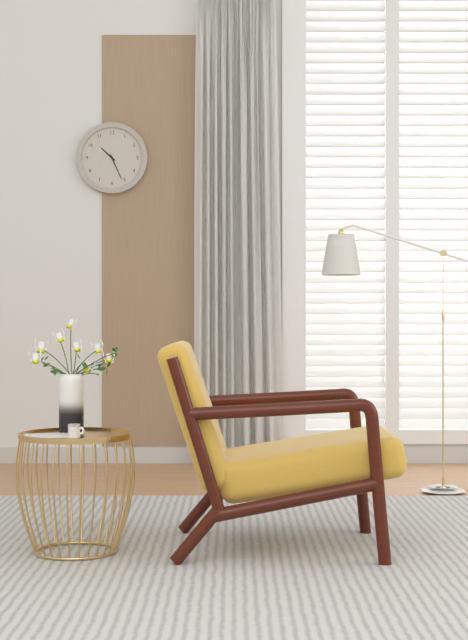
10:26
